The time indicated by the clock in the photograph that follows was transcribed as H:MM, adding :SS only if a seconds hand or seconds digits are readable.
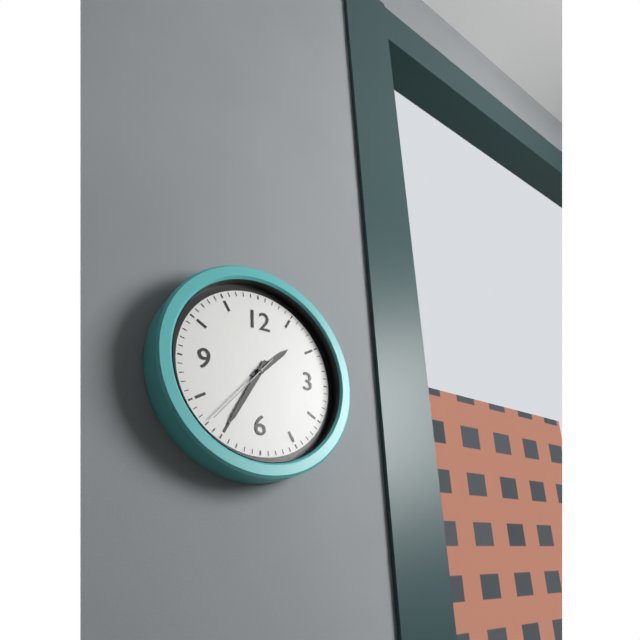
1:35:37
